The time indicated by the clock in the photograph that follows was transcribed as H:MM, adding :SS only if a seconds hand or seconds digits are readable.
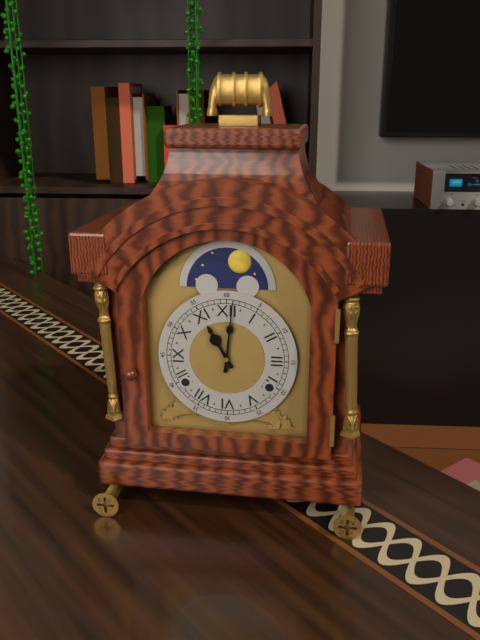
11:01
